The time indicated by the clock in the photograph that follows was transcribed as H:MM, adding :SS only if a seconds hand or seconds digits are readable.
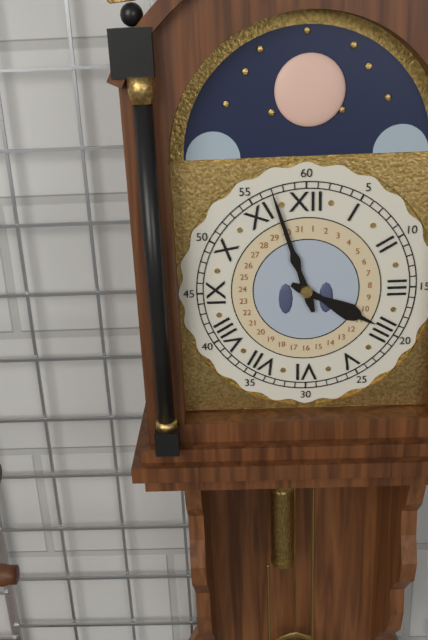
3:57
